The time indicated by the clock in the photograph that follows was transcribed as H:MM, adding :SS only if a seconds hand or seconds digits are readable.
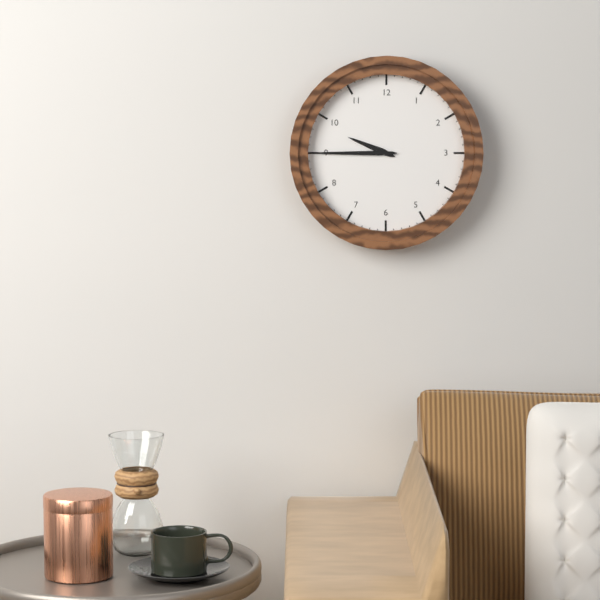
9:45
